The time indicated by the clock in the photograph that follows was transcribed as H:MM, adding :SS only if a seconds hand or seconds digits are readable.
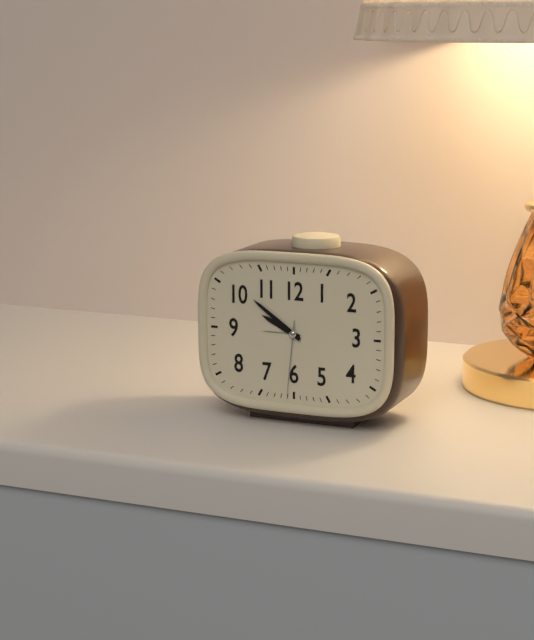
9:51:31
